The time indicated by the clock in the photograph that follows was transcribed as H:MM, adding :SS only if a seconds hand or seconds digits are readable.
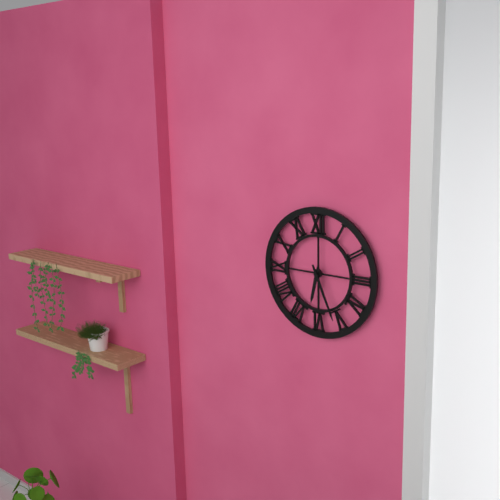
6:26
